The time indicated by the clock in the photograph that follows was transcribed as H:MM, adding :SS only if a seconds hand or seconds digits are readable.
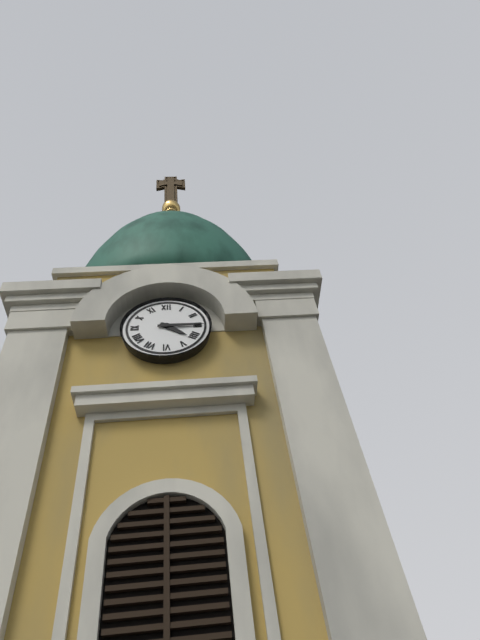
4:15
